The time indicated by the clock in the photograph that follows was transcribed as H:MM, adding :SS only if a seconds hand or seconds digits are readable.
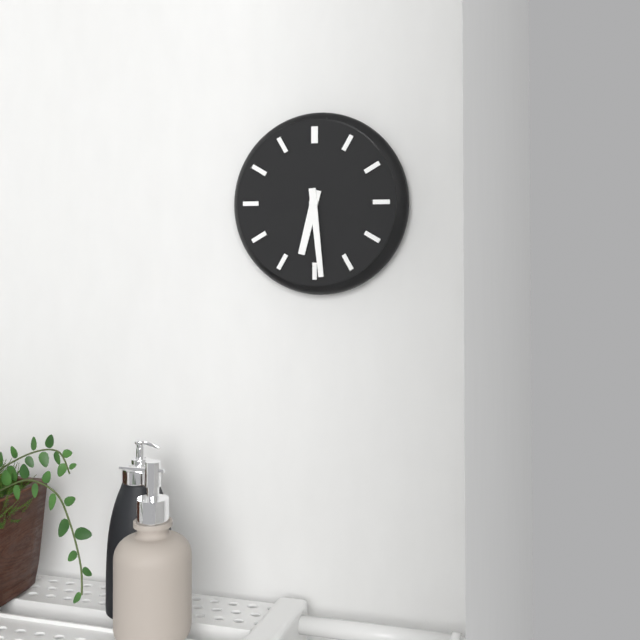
6:29
